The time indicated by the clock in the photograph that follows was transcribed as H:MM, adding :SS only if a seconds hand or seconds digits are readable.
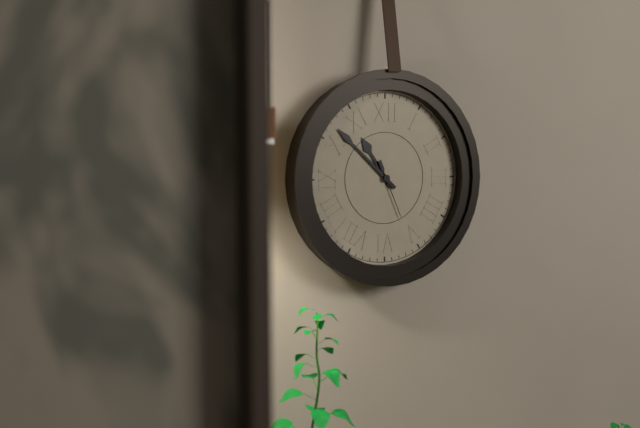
10:52:26
